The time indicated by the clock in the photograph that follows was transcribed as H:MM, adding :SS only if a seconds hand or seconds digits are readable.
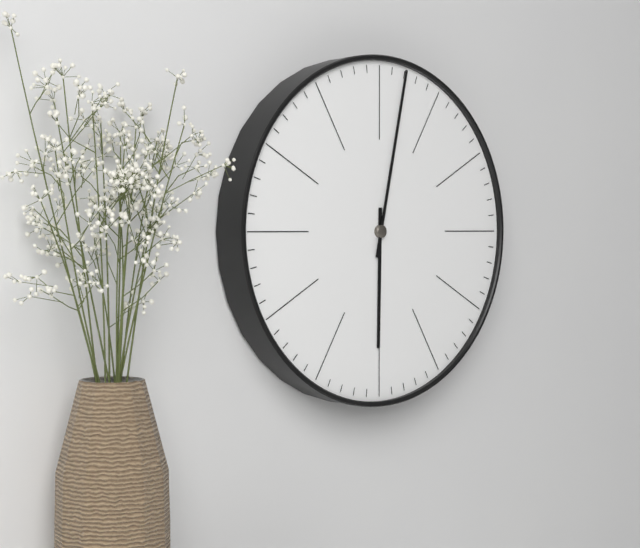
6:02
